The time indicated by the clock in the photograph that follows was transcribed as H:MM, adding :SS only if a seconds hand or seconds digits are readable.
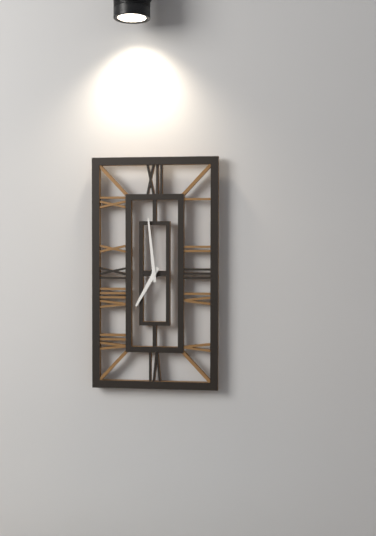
6:59
